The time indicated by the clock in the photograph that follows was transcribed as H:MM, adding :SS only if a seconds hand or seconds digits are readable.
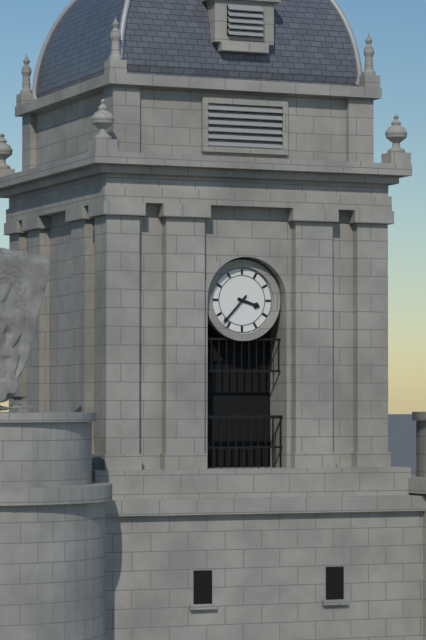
3:37
